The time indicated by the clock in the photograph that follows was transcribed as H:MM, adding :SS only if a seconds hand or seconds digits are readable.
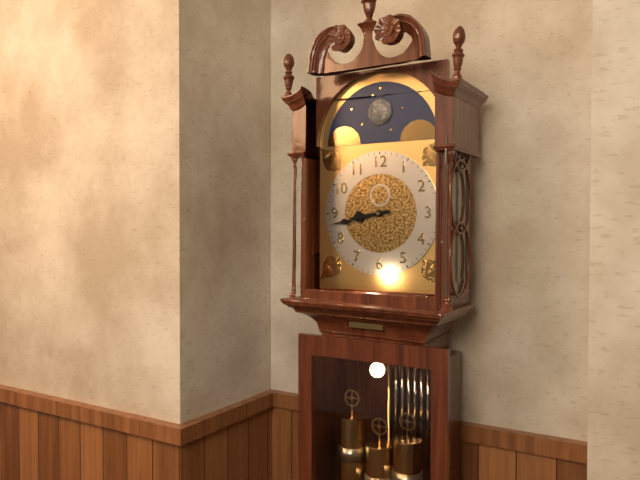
8:43
